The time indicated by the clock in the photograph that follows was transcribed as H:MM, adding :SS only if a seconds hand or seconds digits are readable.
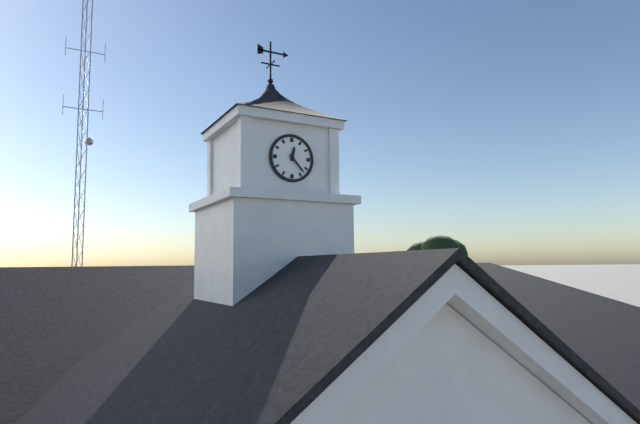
12:23
